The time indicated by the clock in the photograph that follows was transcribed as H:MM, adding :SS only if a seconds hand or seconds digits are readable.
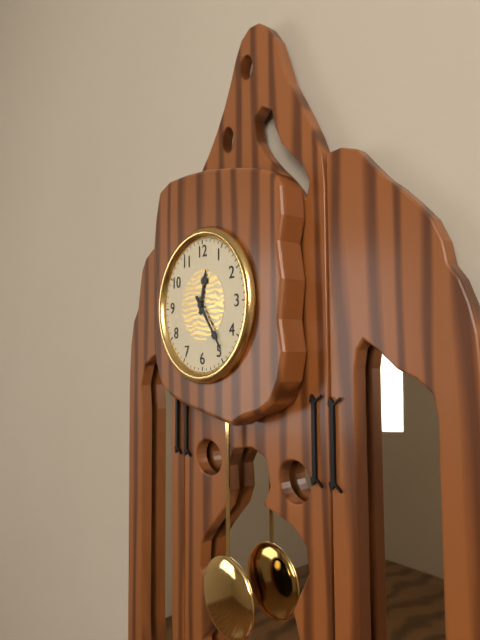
12:24
